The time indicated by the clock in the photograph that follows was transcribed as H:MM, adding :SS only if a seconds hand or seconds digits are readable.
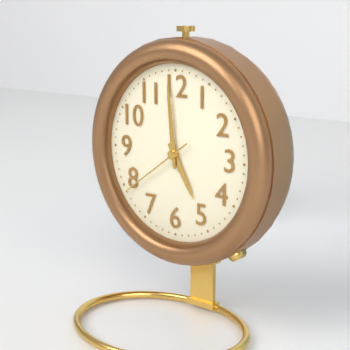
4:59:39
